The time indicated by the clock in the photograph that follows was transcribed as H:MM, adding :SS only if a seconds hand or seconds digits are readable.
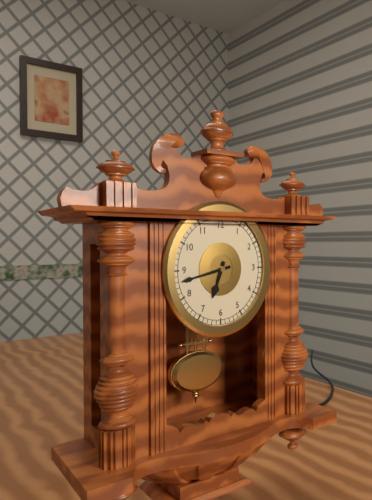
6:43
